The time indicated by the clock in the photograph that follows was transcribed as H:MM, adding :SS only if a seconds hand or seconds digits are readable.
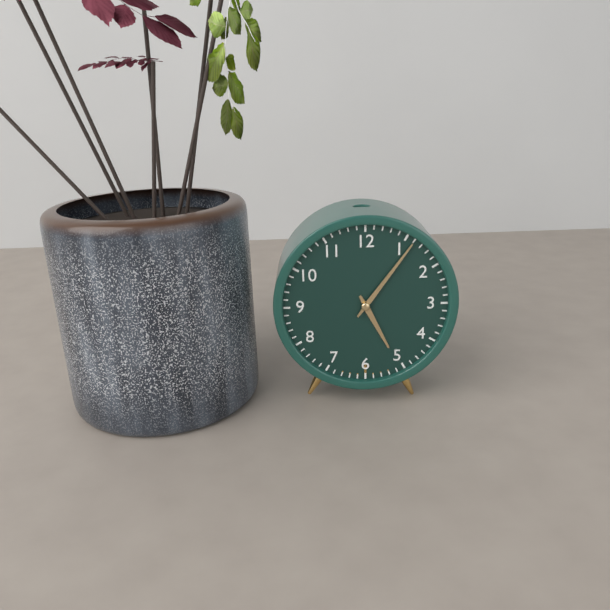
5:06
